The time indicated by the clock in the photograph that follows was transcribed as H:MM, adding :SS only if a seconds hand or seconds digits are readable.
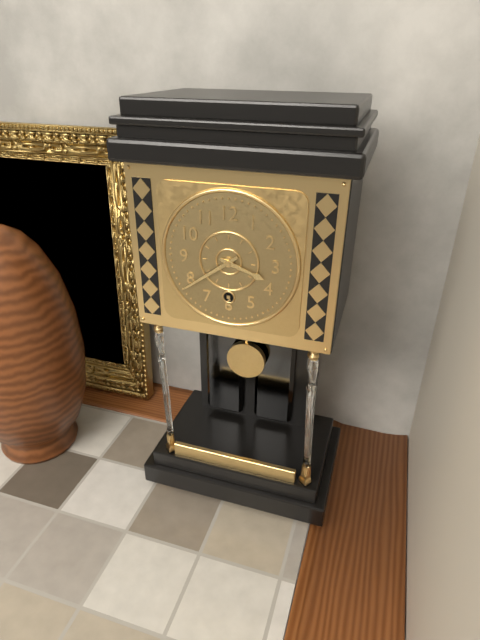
3:39
